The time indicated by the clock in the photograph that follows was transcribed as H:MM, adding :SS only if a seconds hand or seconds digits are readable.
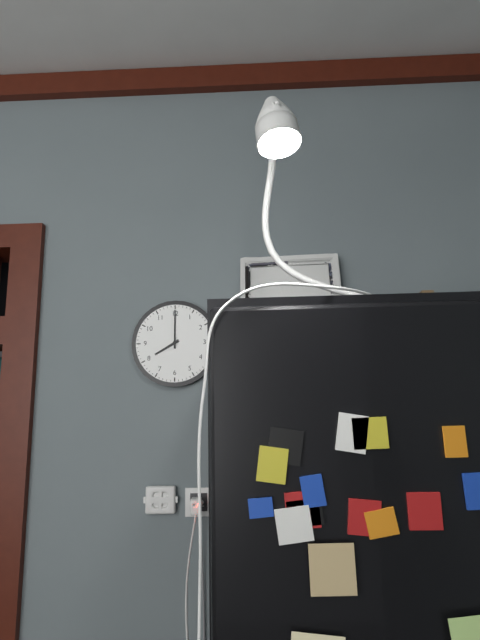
8:00
